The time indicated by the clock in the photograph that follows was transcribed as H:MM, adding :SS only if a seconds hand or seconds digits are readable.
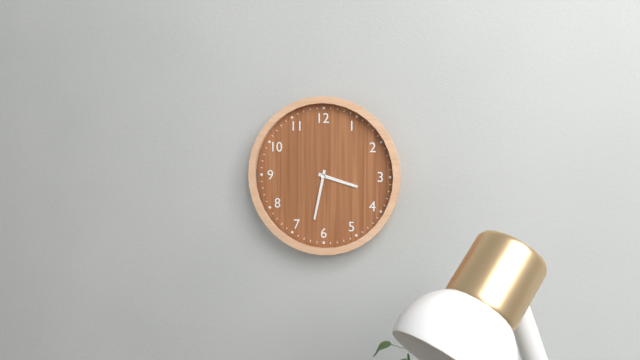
3:32
